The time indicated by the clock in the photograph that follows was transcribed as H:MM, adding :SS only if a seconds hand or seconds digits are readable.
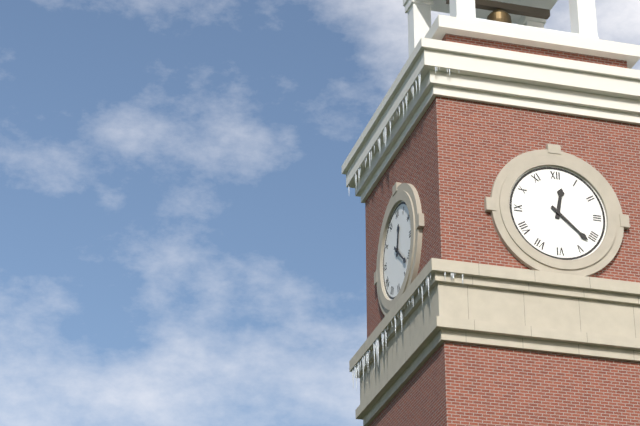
12:22
